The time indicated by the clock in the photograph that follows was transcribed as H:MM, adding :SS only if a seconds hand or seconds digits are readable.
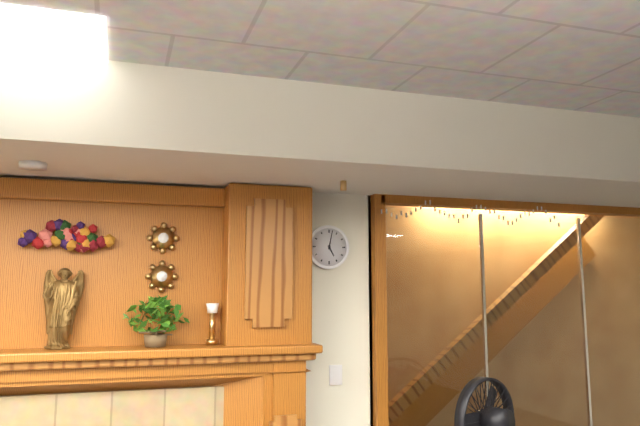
5:02
